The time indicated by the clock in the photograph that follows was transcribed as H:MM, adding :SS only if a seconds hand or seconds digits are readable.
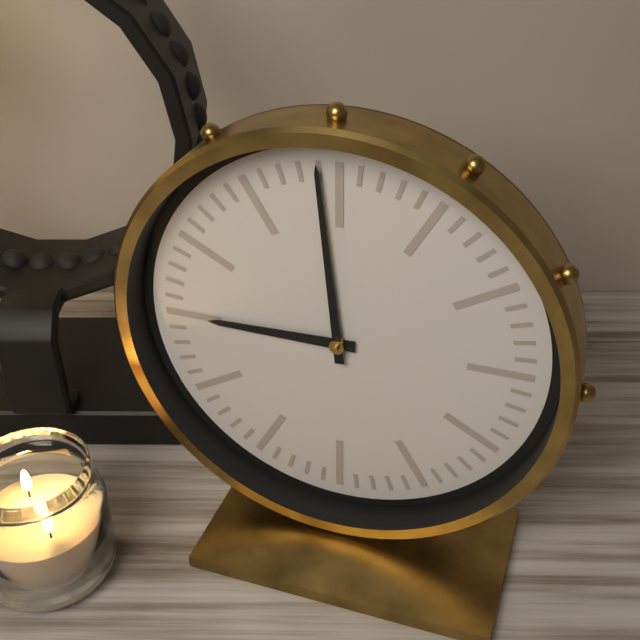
8:59
